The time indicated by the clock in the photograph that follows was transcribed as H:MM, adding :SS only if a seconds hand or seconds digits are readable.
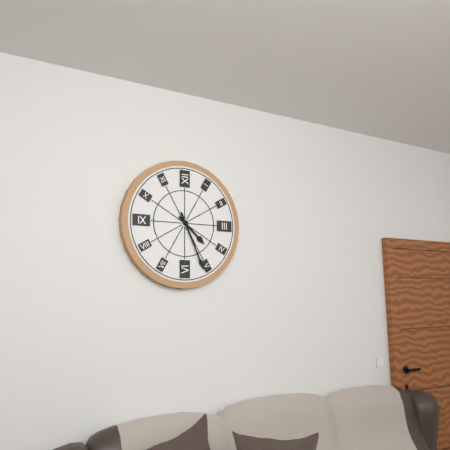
4:26
